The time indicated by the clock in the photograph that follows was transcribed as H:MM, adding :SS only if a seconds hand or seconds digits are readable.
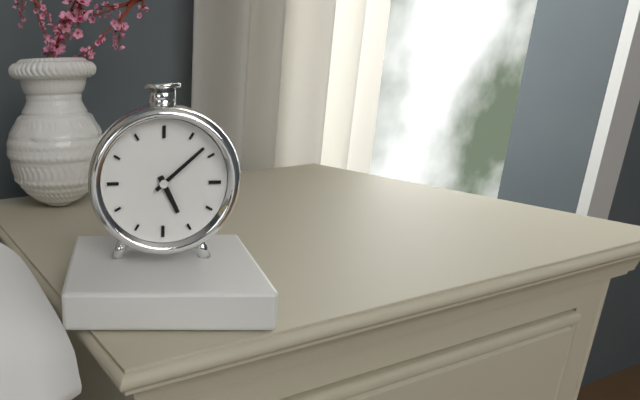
5:08
